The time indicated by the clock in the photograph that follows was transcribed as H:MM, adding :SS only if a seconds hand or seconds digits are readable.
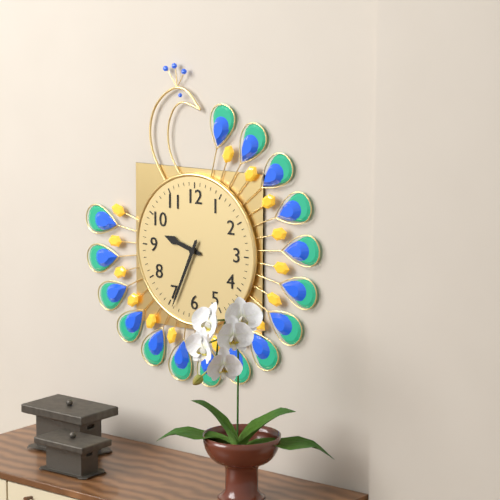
9:34
